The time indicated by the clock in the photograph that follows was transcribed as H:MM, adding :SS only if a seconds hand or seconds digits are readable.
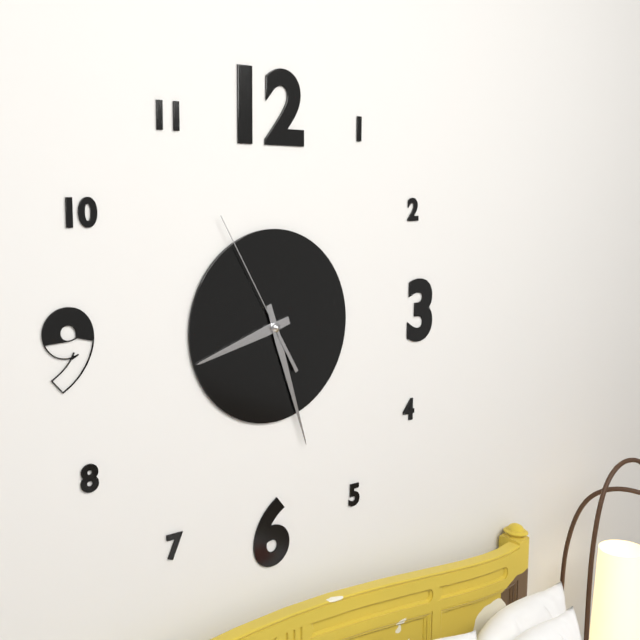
8:27:55
